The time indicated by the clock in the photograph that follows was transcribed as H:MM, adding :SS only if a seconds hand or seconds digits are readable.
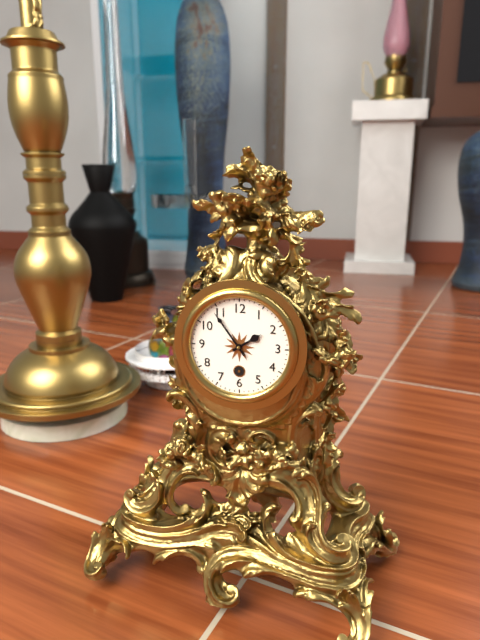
1:54
